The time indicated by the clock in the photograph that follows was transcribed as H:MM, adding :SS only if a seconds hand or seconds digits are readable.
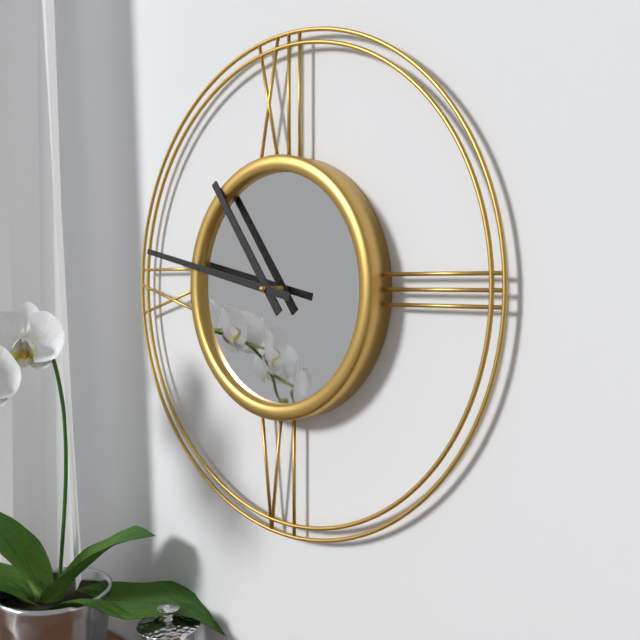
10:47
